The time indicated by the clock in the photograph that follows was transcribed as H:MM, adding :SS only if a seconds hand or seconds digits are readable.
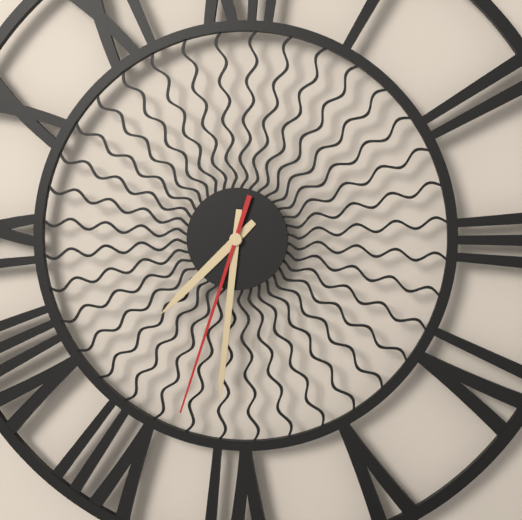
7:31:33
